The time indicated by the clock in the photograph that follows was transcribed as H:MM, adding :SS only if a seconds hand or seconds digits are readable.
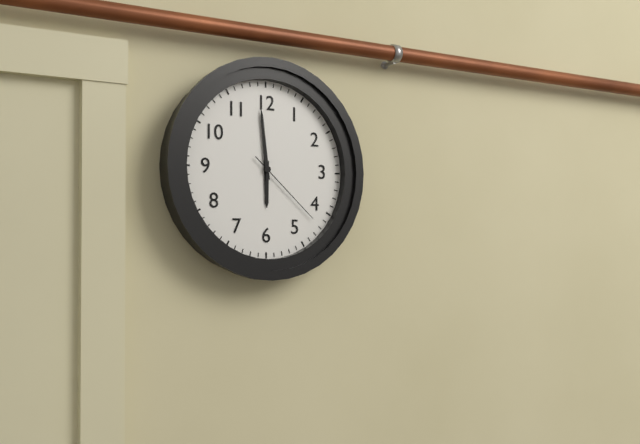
5:59:22
